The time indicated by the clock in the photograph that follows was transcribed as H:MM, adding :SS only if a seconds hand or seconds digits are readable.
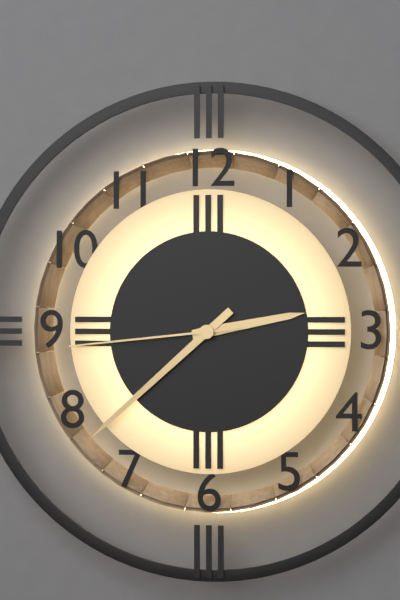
2:38:44
